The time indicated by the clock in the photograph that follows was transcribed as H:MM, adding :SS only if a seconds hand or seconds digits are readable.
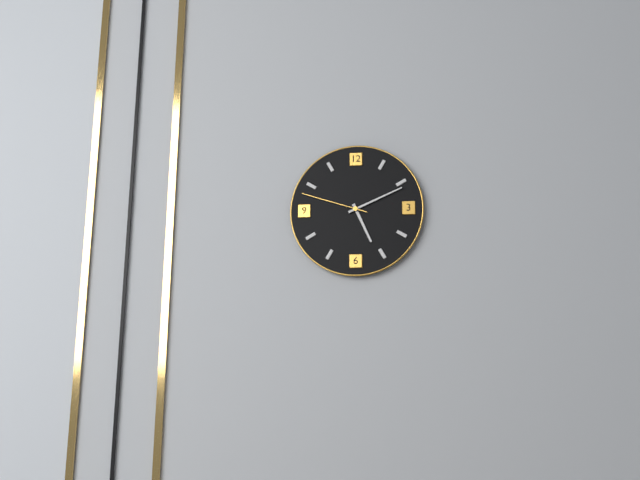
5:11:48
